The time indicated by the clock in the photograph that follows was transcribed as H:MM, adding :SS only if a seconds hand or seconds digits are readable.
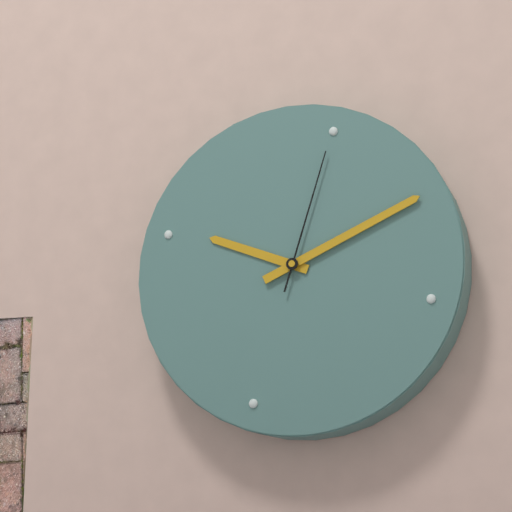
9:08:00
